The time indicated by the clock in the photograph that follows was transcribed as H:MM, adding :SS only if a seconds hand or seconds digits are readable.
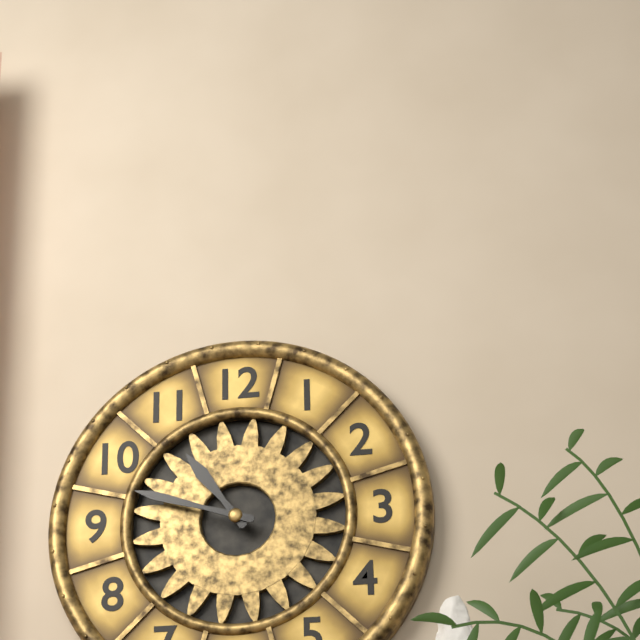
10:48
